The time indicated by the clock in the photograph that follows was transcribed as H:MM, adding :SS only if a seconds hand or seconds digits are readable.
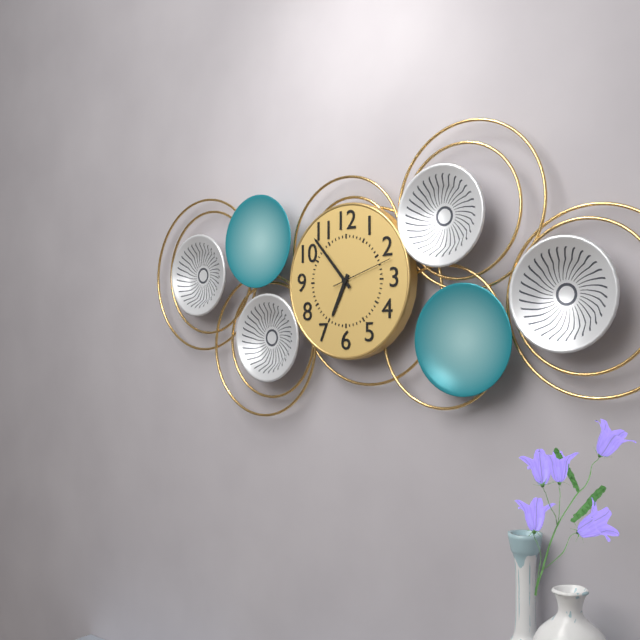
6:53:12
